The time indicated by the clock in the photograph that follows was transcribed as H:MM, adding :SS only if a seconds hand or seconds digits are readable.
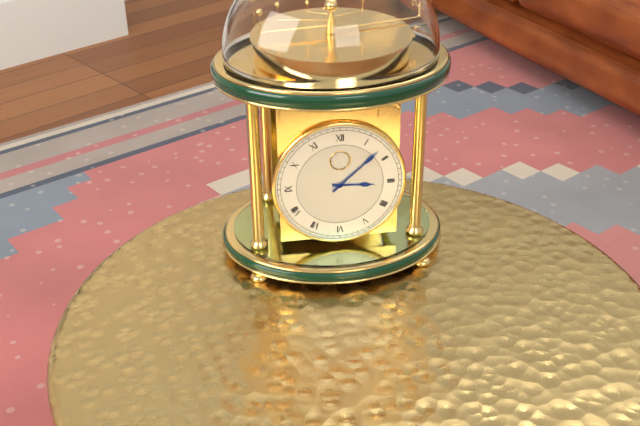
3:08
